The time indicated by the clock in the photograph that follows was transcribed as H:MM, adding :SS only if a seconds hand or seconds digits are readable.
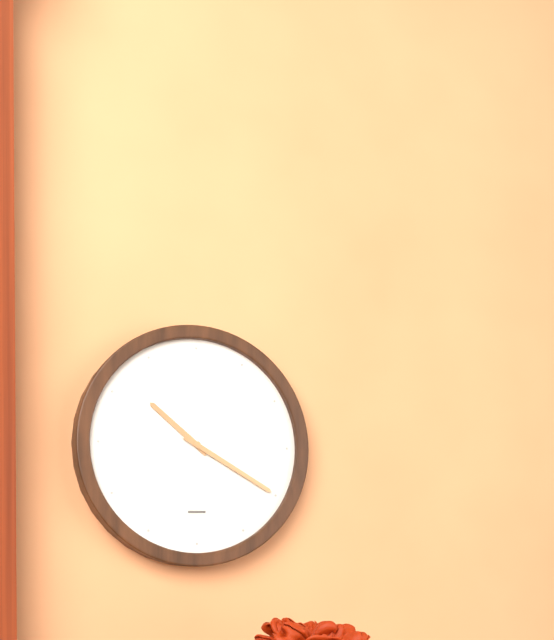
10:20
